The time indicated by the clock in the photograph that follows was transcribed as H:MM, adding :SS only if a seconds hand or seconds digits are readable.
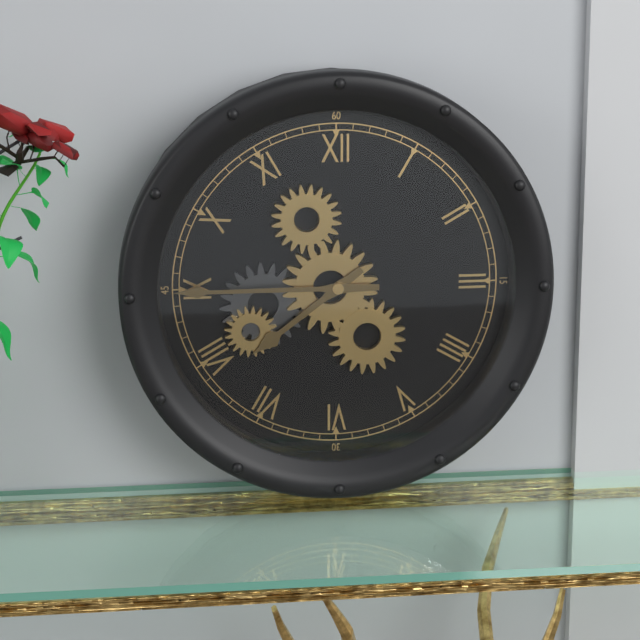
7:45
